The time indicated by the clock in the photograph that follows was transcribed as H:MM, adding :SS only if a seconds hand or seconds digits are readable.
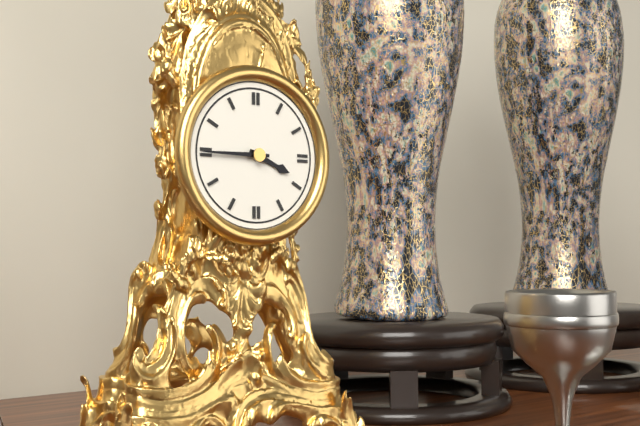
3:45
